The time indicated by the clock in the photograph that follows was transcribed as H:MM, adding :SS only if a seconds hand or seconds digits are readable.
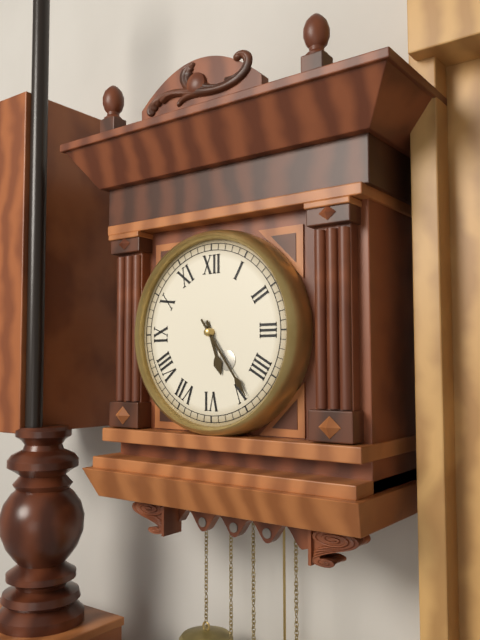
5:24
